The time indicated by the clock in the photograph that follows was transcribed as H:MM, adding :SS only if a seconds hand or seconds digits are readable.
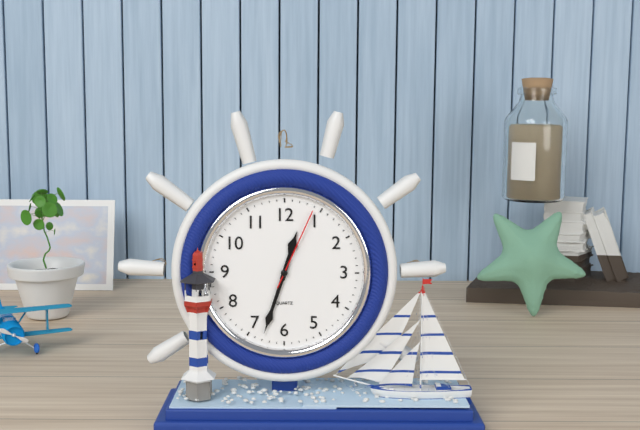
12:33:04
